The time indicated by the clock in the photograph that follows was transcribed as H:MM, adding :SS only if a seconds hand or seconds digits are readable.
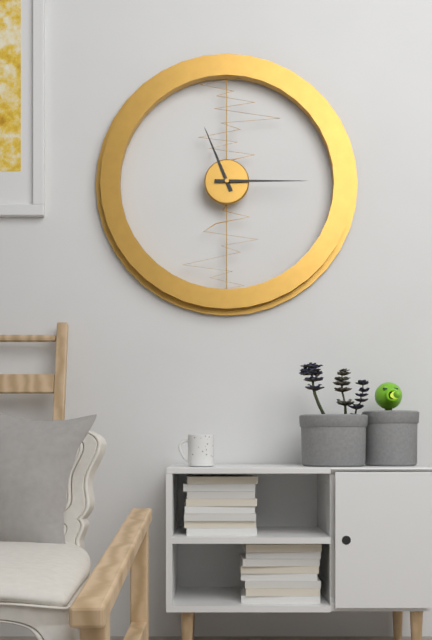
11:15
